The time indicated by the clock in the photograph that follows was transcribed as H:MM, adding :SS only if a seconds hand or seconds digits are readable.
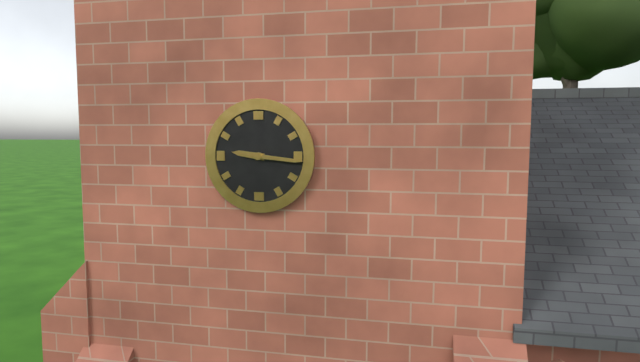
9:16
